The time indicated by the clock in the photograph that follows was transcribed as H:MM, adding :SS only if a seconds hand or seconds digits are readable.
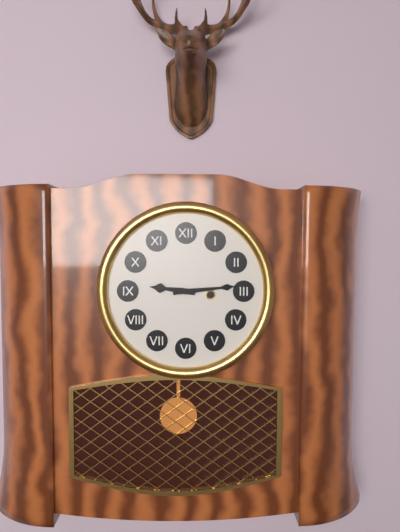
9:14
